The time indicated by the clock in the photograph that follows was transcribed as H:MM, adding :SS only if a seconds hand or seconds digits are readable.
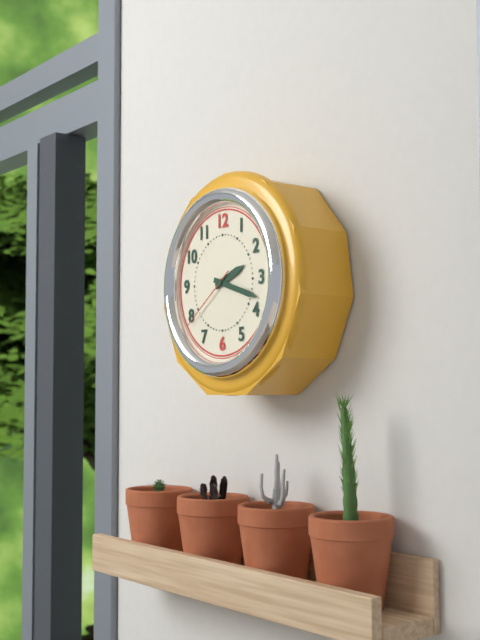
2:18:39
